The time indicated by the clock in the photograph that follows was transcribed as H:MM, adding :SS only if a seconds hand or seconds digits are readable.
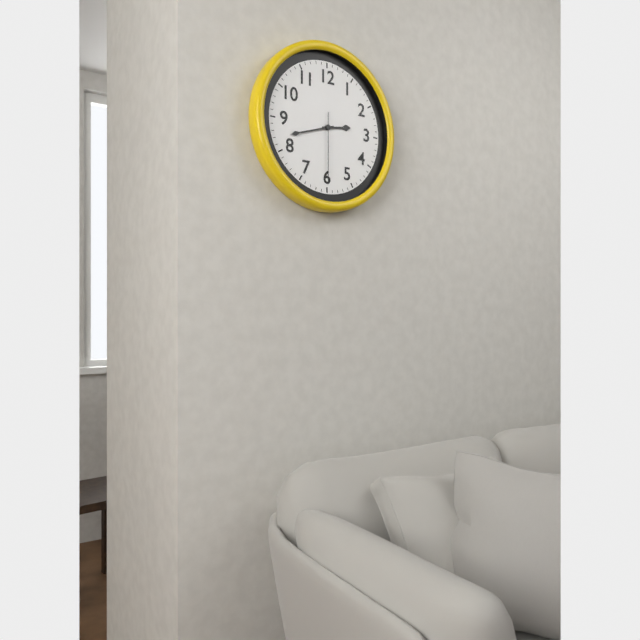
2:42:30
